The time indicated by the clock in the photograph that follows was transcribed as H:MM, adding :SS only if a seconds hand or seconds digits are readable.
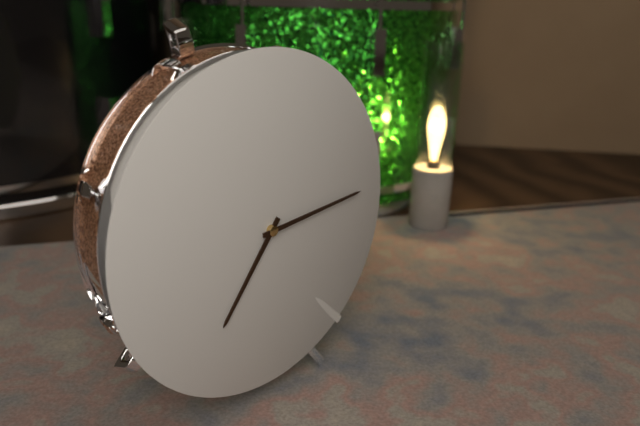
7:14
